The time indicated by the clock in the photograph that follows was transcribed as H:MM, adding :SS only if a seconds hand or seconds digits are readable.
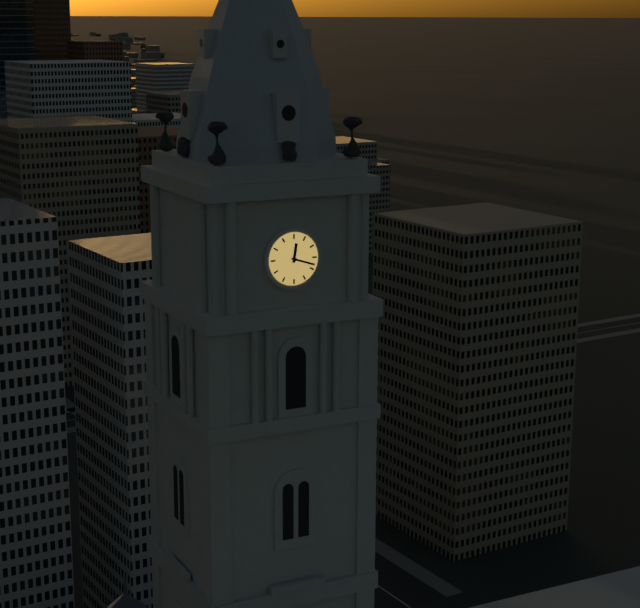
12:18
